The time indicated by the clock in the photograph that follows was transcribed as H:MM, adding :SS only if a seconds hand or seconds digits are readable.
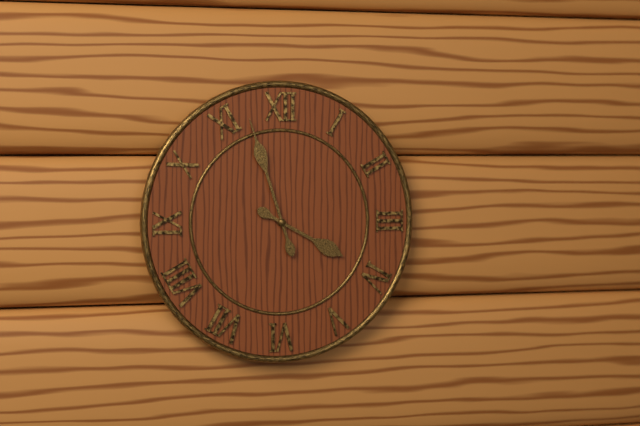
3:57
